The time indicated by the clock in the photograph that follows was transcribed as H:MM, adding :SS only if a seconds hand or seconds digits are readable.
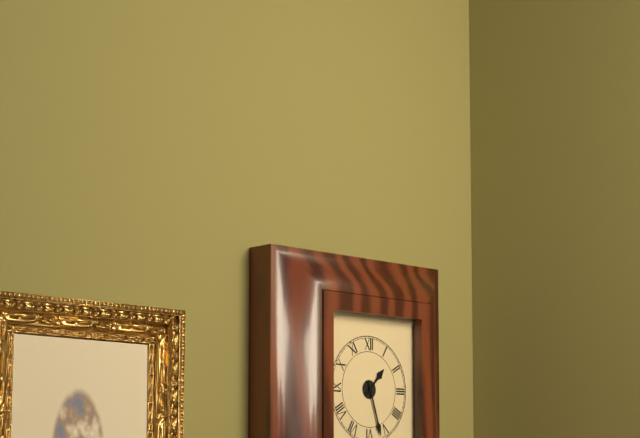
1:27
